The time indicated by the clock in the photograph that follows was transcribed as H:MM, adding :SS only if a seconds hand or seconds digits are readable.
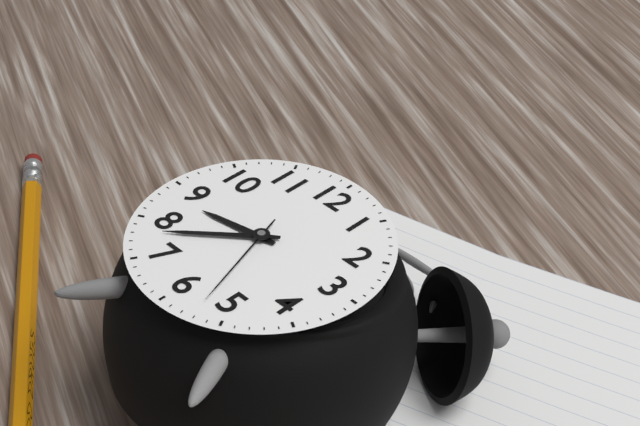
8:38:27
